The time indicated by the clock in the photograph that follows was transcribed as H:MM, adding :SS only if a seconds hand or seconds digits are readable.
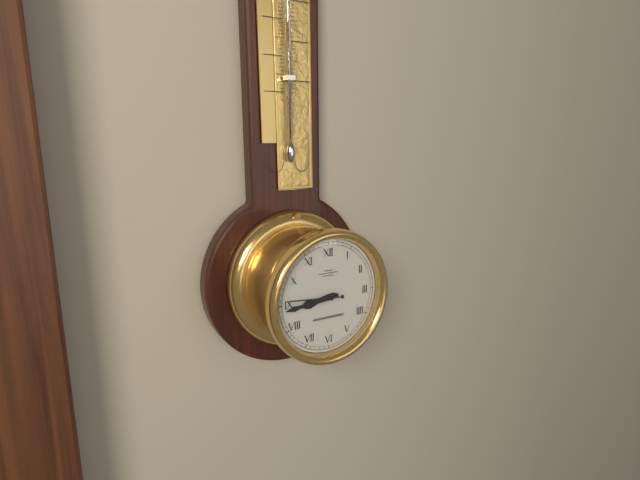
8:44:46
